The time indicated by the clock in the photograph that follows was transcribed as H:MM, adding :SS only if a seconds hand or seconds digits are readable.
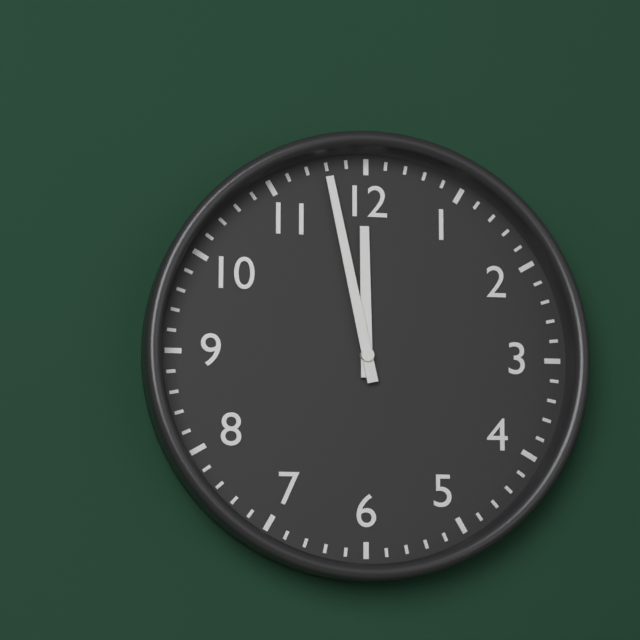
11:58
